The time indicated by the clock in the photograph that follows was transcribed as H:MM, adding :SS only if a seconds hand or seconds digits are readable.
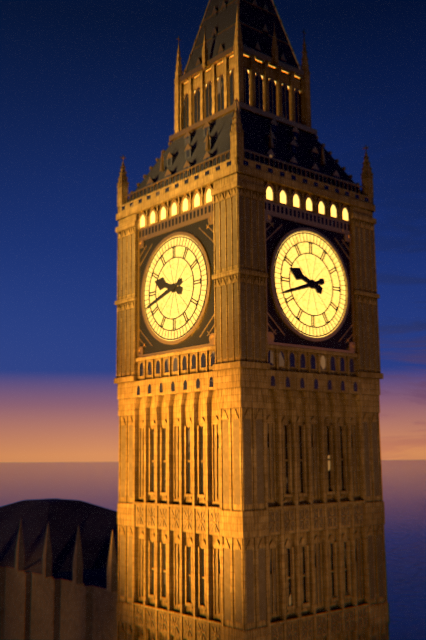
9:42
